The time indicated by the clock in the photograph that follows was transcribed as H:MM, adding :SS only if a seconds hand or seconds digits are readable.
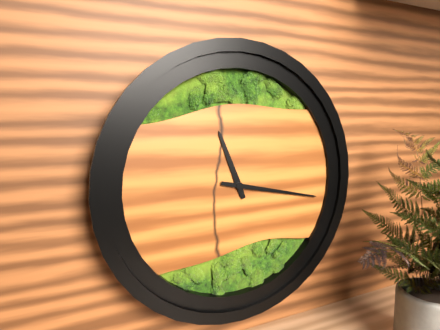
11:17
